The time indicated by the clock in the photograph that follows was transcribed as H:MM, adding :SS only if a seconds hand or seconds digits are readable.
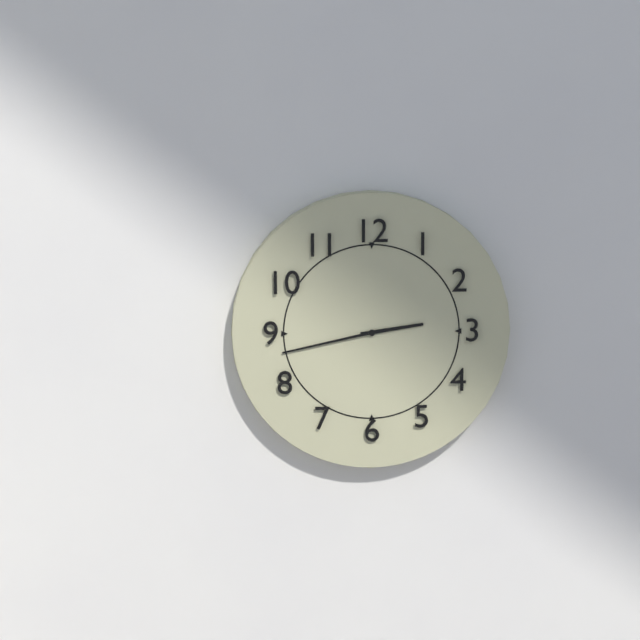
2:43
